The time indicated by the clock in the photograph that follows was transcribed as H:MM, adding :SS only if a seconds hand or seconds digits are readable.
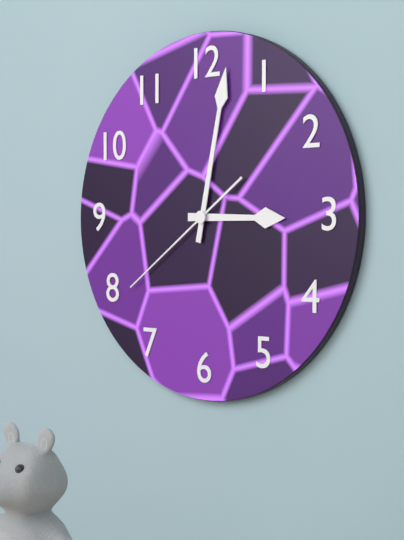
3:02:39
